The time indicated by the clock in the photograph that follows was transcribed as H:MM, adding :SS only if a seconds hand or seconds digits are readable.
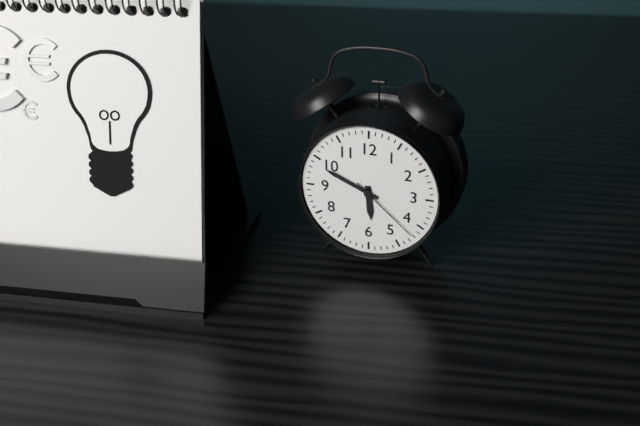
5:49:22
